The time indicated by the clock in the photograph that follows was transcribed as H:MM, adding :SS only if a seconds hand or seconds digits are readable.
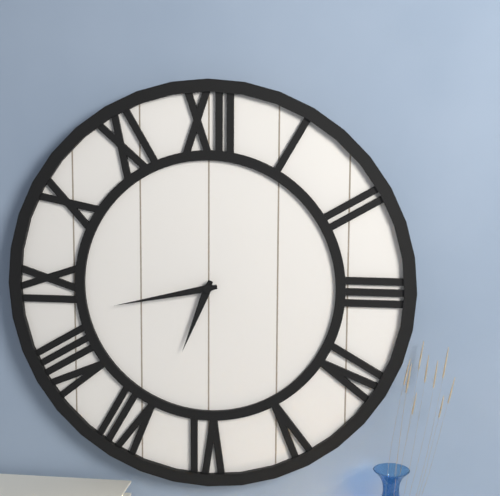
6:43
